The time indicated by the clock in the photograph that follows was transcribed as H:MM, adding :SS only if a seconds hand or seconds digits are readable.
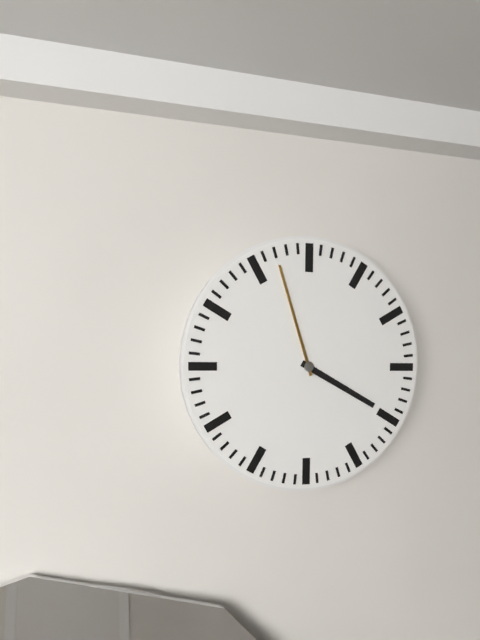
3:57
